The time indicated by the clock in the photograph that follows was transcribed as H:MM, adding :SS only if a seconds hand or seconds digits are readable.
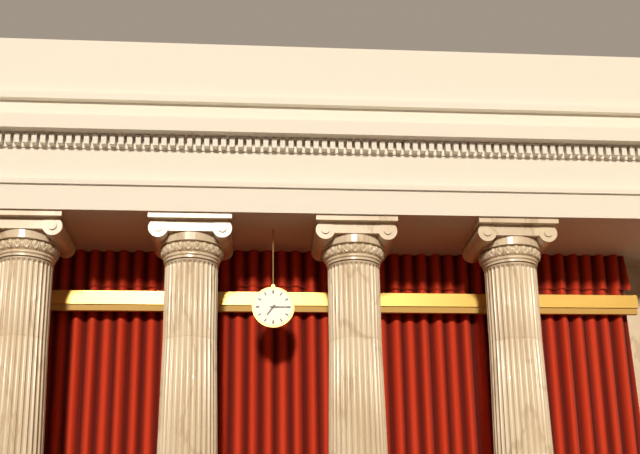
7:15
